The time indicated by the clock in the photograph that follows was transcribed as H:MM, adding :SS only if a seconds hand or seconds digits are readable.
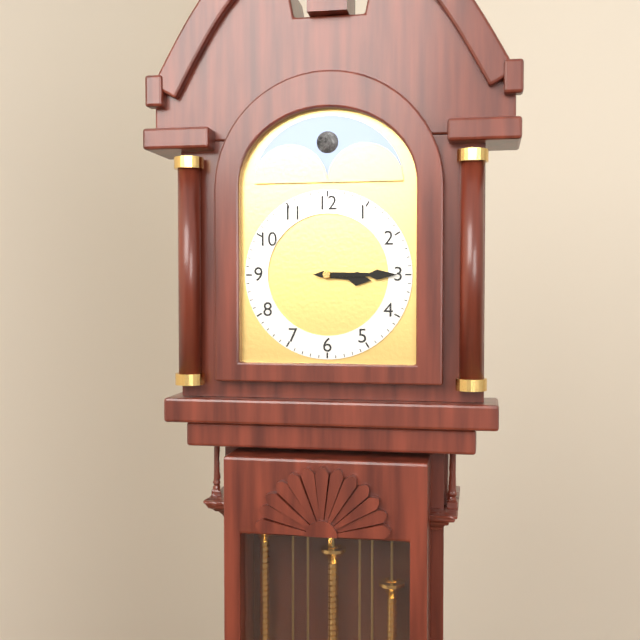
3:15
